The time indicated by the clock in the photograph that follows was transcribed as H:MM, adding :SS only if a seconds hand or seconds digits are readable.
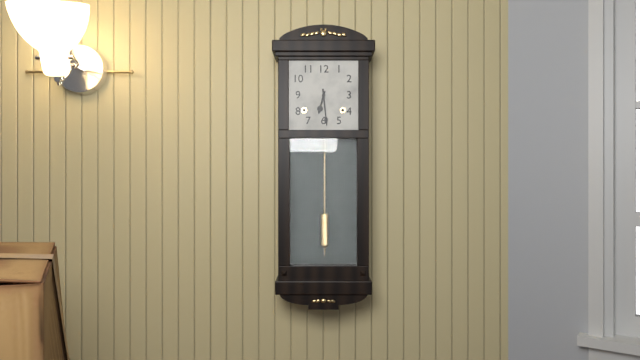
6:29
